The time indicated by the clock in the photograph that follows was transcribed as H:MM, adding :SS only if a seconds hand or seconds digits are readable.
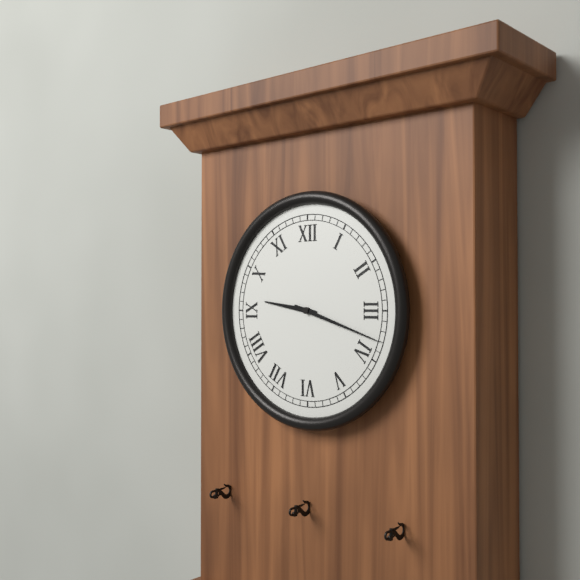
9:18
